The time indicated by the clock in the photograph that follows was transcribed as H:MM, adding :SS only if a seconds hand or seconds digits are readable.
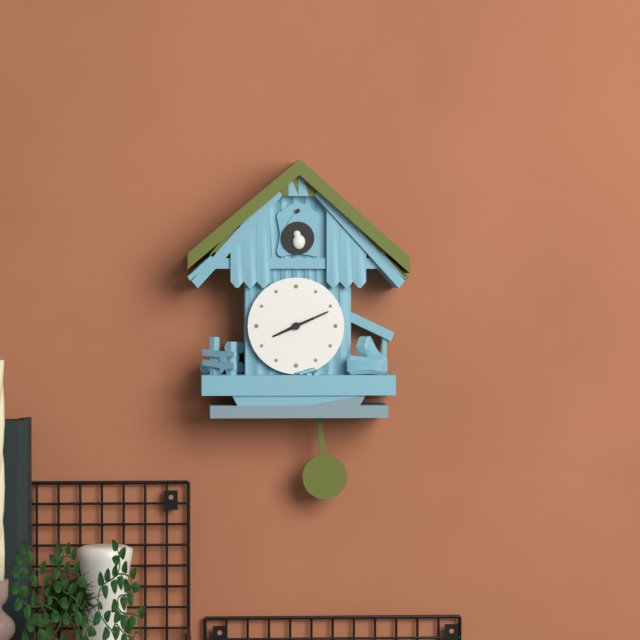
8:11
